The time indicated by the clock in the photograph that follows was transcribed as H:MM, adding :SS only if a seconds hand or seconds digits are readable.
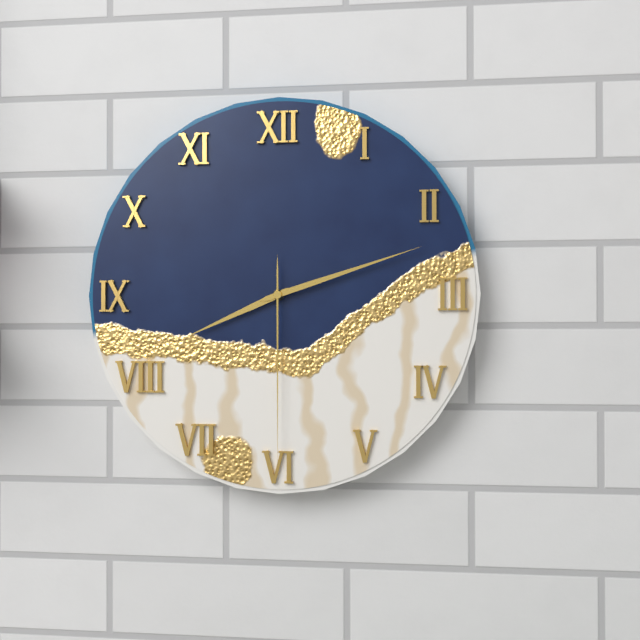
8:12:30
